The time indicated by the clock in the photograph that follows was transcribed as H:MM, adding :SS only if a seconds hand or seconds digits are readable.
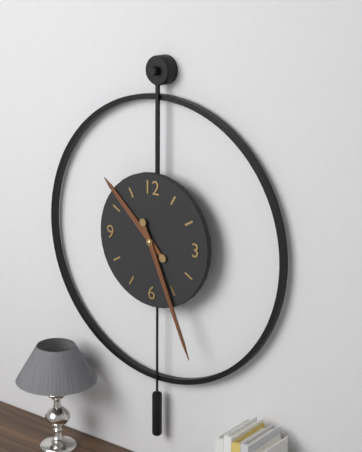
10:26
